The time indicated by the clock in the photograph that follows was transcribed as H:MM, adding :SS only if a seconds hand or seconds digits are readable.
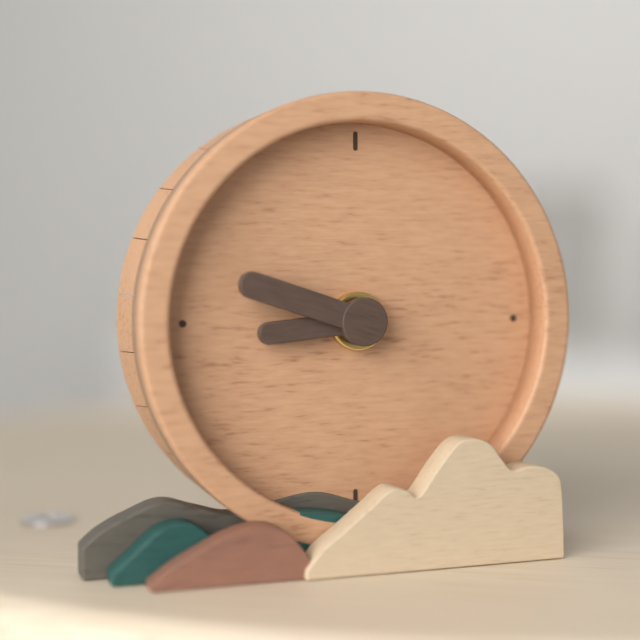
8:48
